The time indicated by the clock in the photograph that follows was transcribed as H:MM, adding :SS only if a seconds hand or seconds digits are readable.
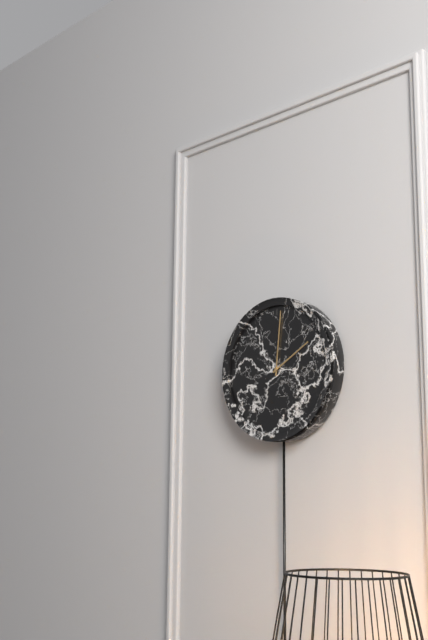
2:01
